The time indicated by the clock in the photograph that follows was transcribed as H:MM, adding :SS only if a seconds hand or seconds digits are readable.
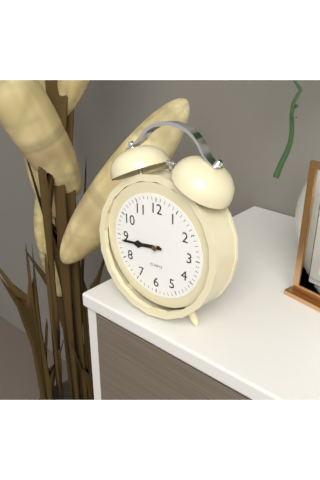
8:44
